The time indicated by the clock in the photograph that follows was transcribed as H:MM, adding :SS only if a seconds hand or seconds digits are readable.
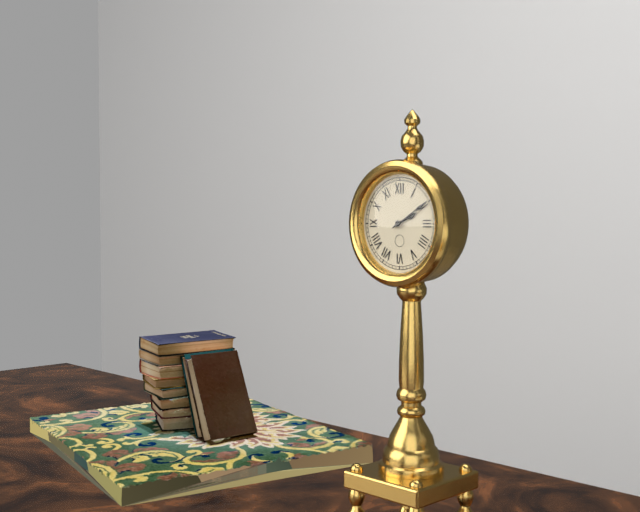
2:10
